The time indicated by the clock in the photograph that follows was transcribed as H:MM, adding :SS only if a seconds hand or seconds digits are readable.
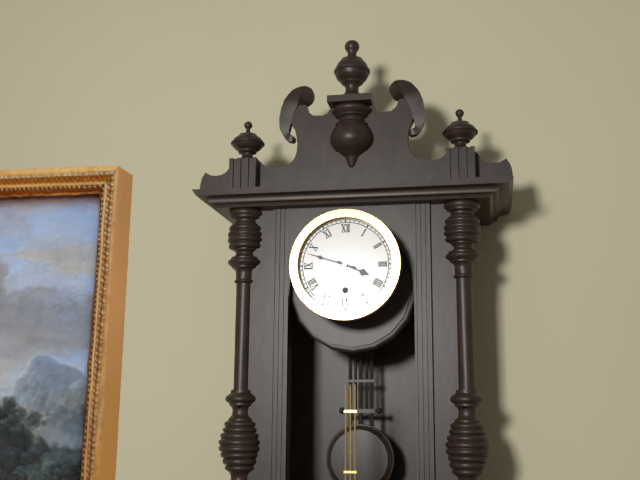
3:48
